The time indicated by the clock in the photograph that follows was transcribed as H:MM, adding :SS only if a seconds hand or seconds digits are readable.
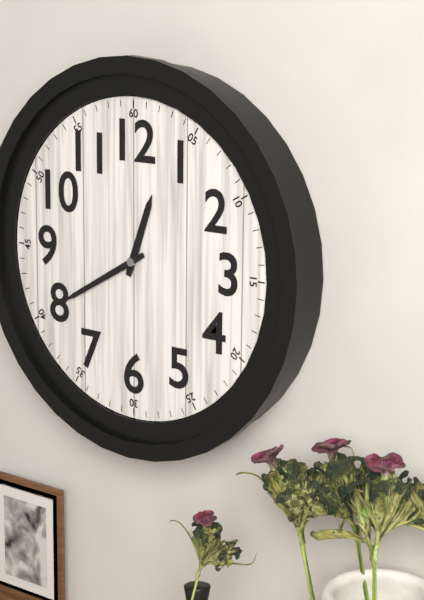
12:40
